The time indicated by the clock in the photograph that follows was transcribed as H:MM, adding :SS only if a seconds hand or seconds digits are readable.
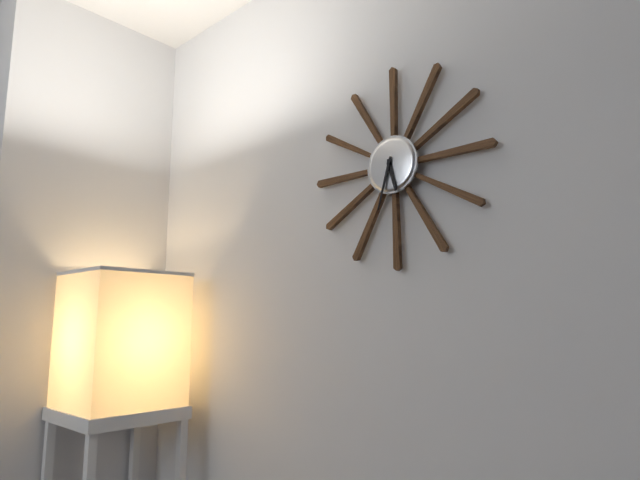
5:33
